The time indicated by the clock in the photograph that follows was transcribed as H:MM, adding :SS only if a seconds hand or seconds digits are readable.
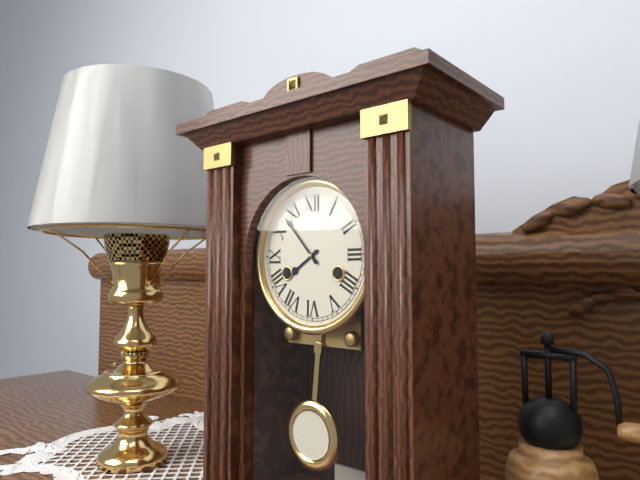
7:53
